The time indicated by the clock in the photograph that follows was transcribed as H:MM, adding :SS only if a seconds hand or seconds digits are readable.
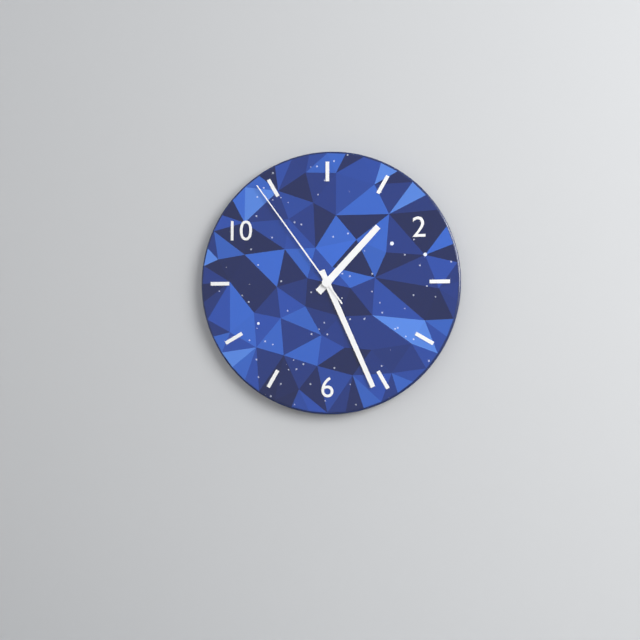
1:26:54
